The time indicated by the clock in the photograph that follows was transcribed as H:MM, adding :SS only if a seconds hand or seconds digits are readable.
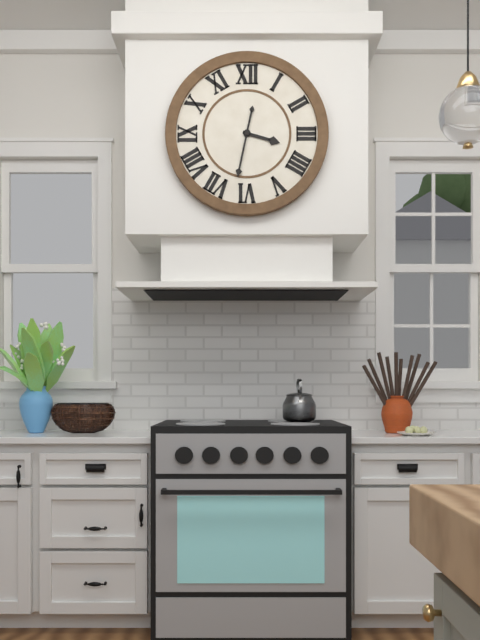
3:32
